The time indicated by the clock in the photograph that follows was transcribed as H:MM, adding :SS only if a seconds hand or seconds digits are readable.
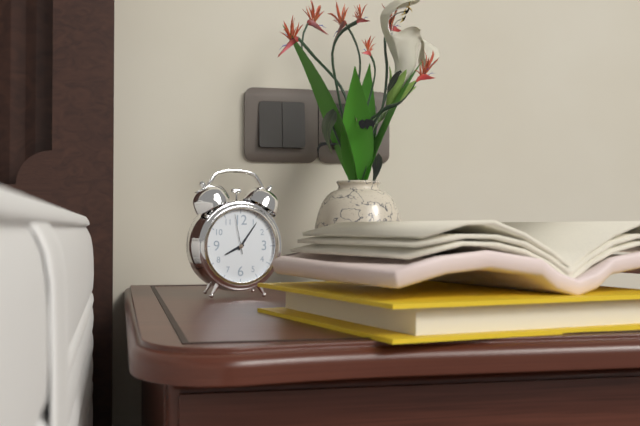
8:06
